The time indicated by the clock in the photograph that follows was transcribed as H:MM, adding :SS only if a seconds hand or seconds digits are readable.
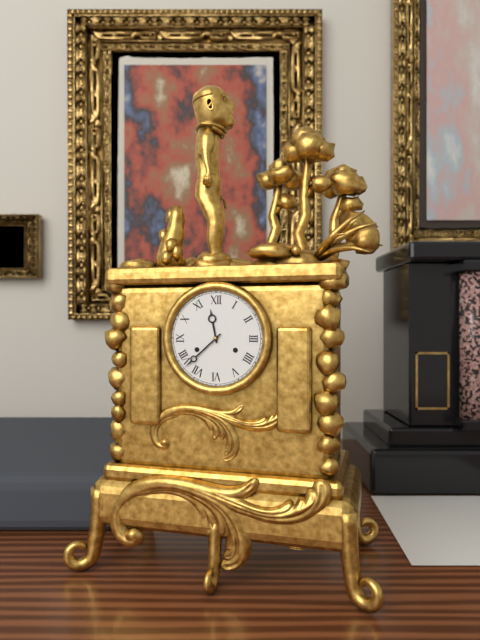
11:38
